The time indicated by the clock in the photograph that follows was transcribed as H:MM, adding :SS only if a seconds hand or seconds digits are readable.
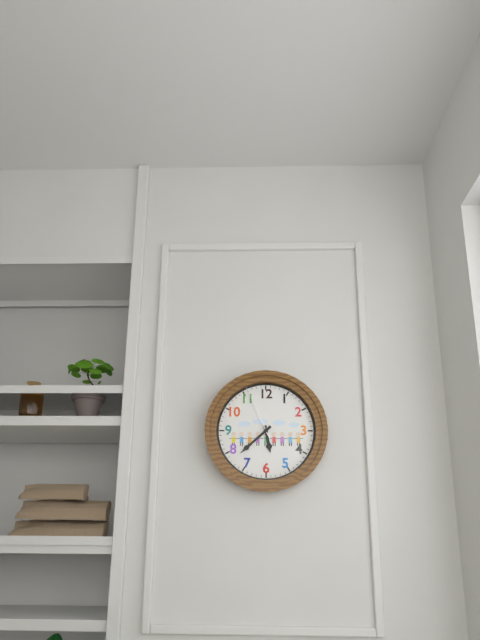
5:38:56
